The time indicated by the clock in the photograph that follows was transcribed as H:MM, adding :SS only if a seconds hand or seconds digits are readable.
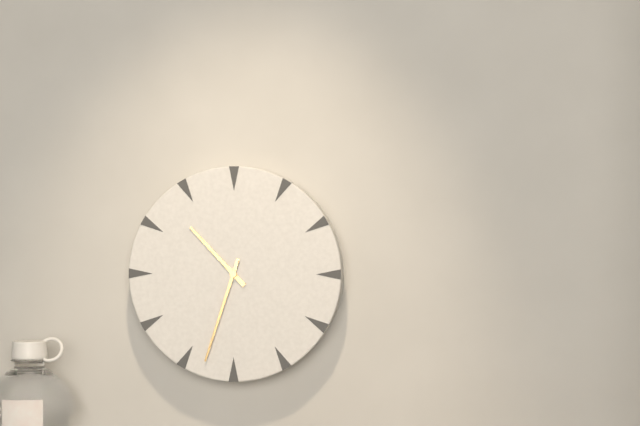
10:33
